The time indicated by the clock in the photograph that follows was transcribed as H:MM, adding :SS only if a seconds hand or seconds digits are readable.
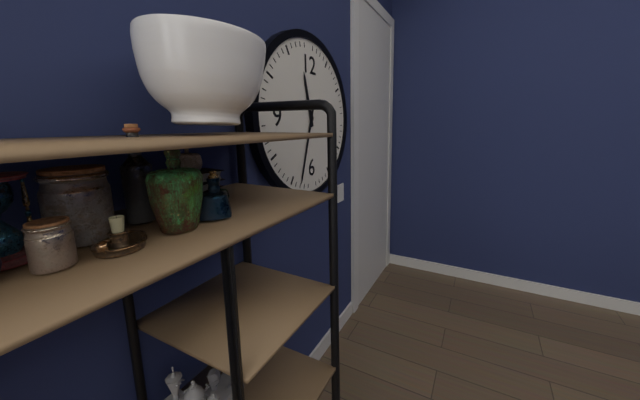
11:33
